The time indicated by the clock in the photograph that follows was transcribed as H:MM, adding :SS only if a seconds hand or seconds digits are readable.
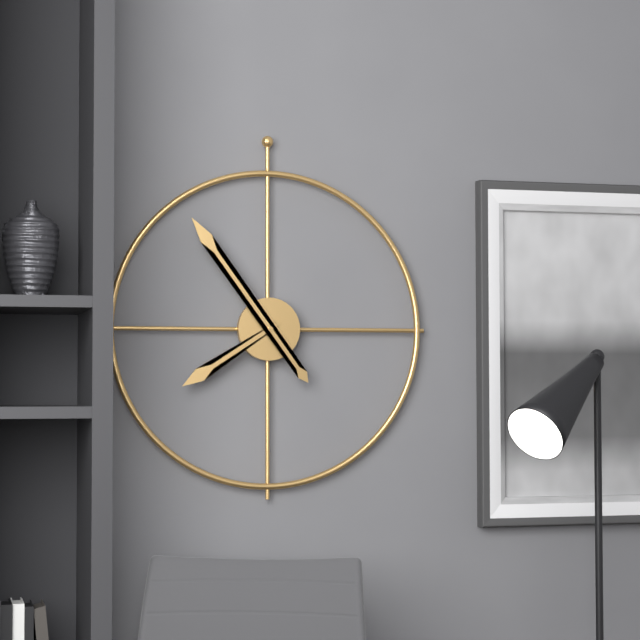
7:54
